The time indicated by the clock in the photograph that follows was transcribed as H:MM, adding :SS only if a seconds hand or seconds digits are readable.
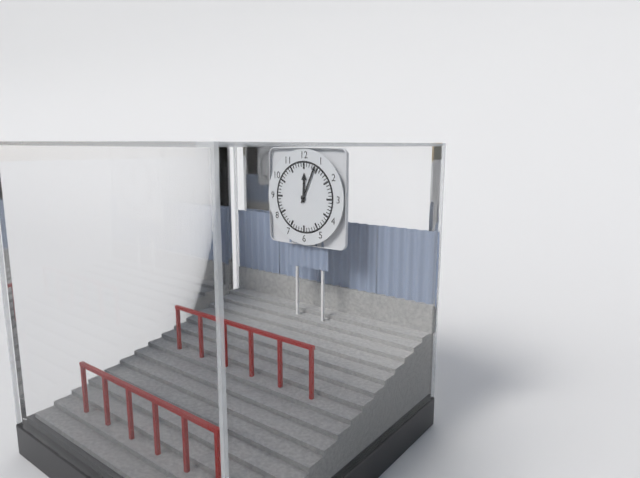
12:04
